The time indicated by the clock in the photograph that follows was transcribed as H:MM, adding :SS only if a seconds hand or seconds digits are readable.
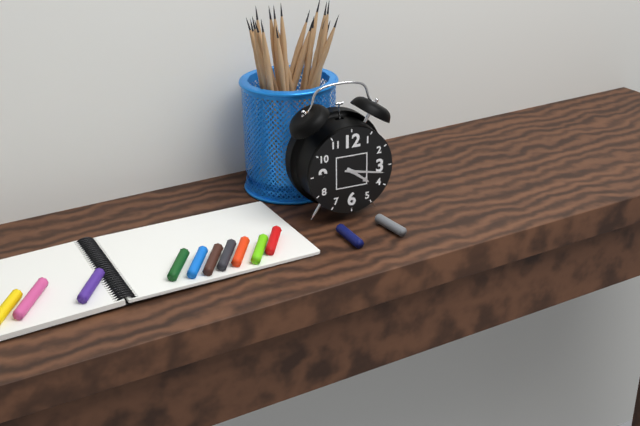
4:17
